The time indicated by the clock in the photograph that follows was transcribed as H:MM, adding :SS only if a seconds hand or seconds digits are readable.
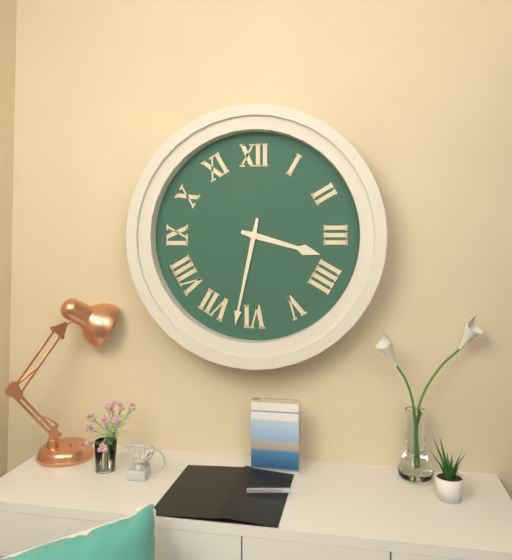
3:32
